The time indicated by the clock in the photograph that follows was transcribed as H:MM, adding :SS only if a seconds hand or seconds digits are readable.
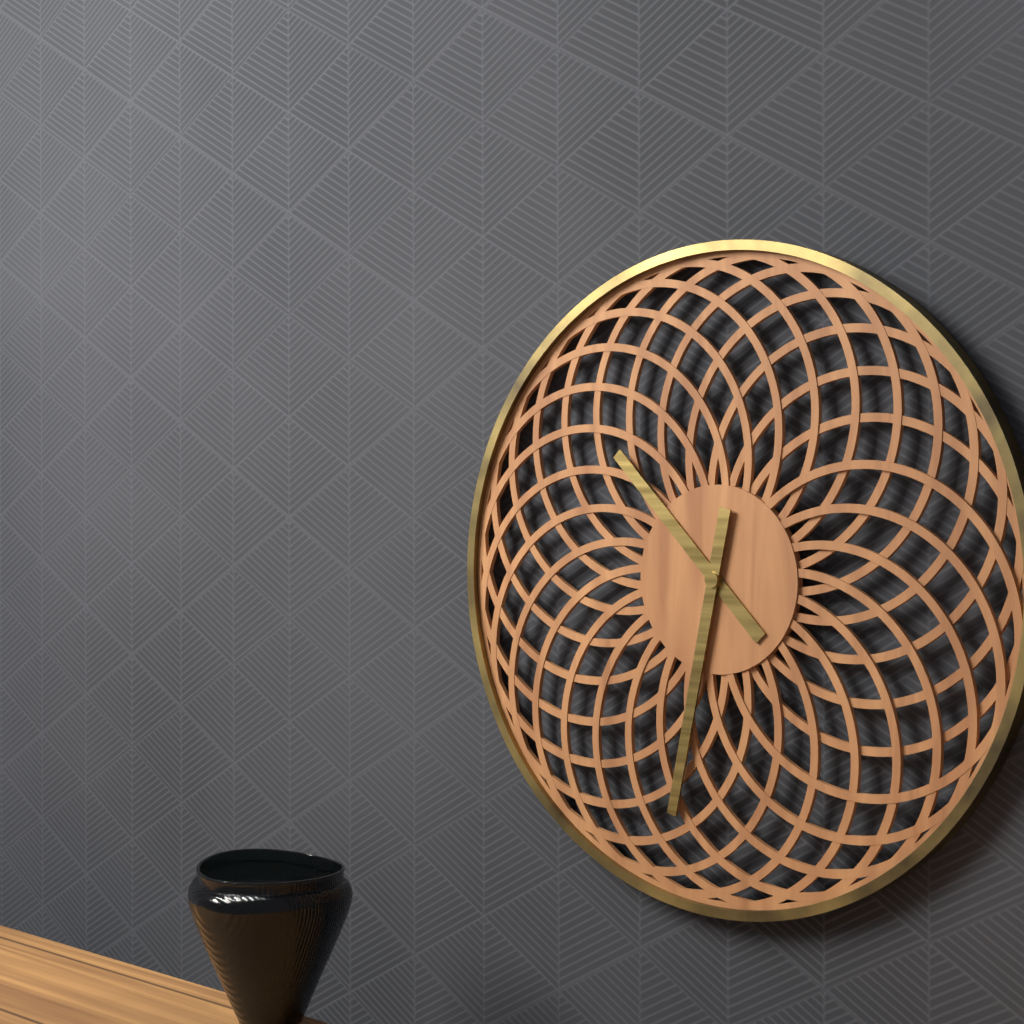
10:32
